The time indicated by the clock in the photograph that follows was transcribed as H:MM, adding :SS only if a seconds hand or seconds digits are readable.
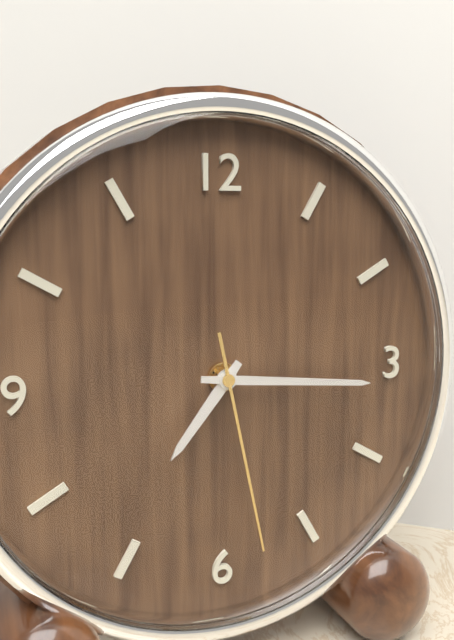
7:16:28
